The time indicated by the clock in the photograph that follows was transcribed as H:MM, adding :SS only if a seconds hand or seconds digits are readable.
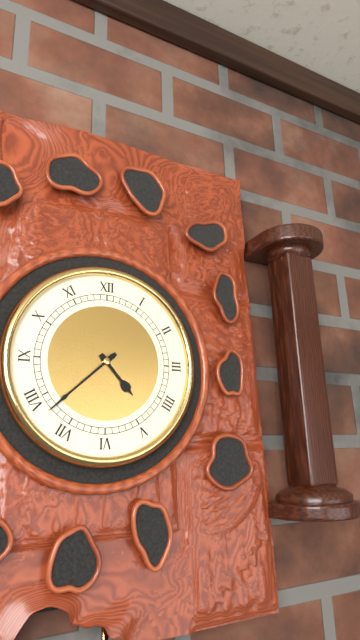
4:38
